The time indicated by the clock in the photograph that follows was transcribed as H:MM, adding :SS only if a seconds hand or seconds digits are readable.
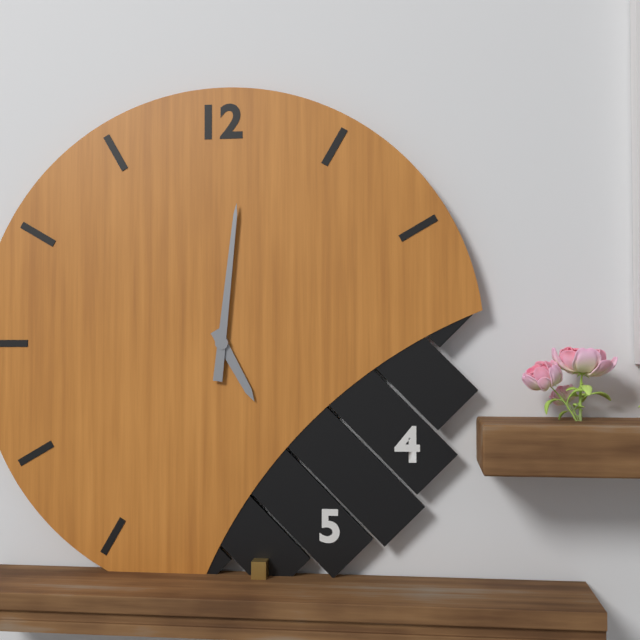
5:01
